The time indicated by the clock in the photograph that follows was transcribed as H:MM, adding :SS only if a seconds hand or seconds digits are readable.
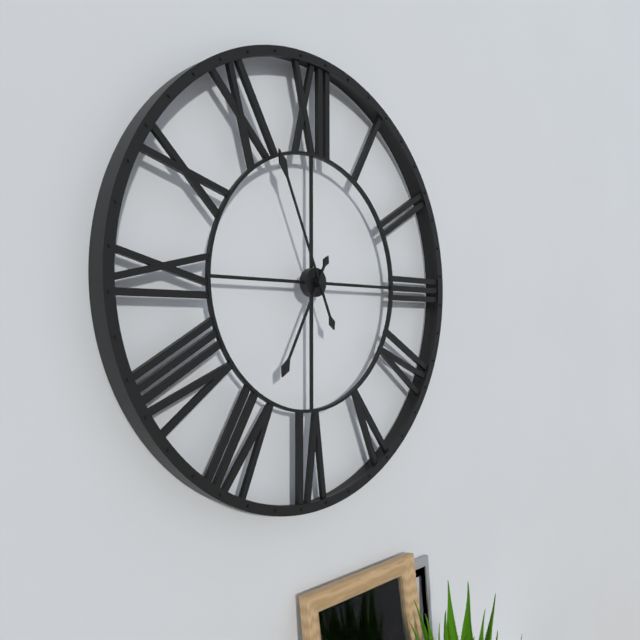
6:56
